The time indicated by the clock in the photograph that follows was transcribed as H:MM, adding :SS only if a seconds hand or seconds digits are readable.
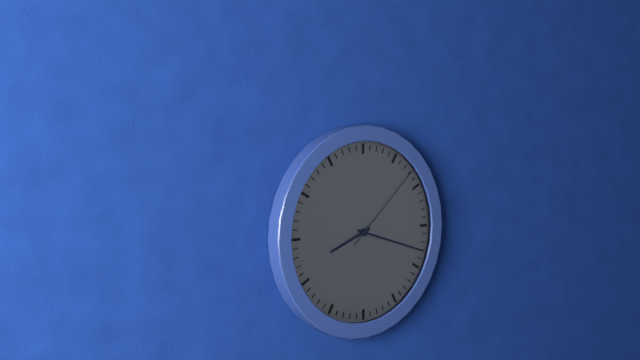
8:18:08
